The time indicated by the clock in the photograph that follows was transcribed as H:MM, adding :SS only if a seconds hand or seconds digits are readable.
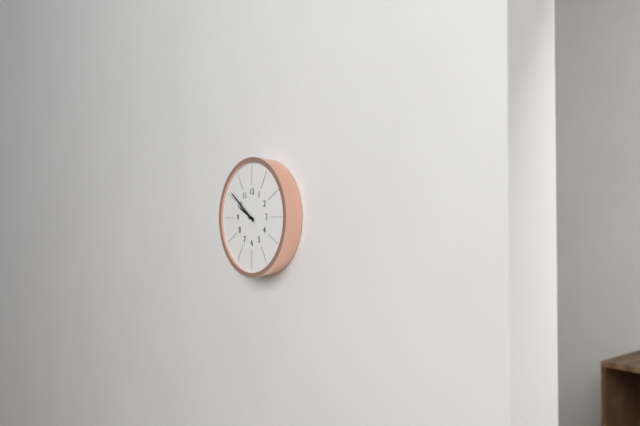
9:51
